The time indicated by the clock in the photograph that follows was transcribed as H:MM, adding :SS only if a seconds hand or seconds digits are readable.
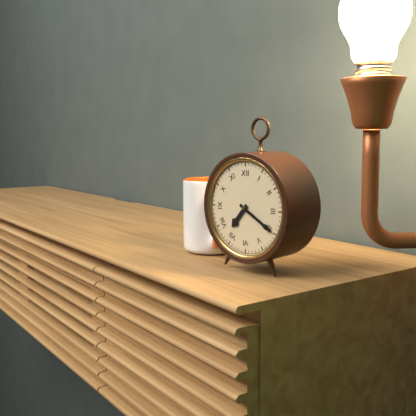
7:20
